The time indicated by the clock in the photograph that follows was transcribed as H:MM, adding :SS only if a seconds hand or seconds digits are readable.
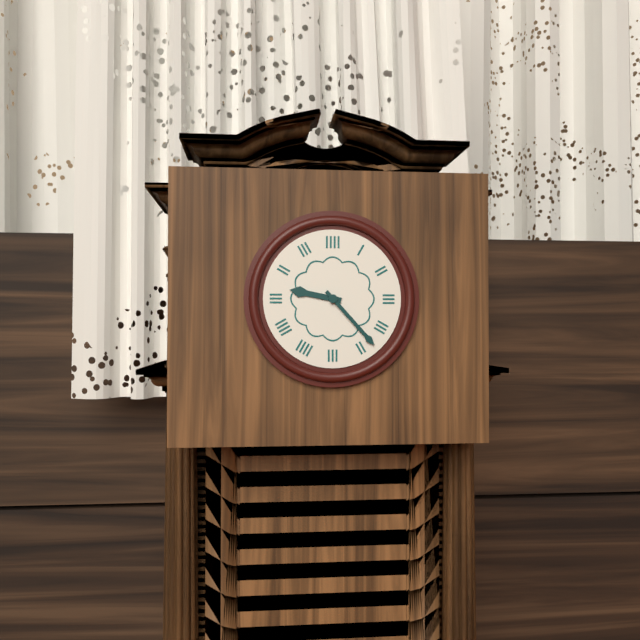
9:23
